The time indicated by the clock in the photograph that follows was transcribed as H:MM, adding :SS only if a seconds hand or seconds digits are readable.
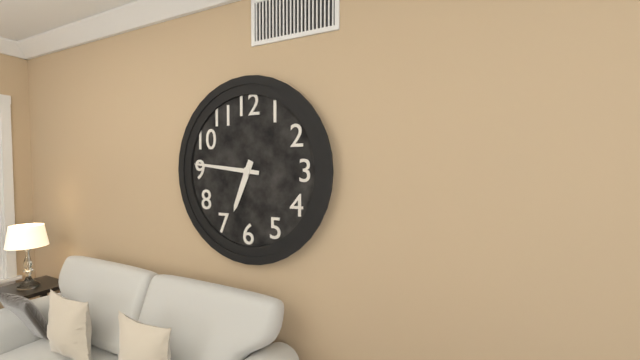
6:46
